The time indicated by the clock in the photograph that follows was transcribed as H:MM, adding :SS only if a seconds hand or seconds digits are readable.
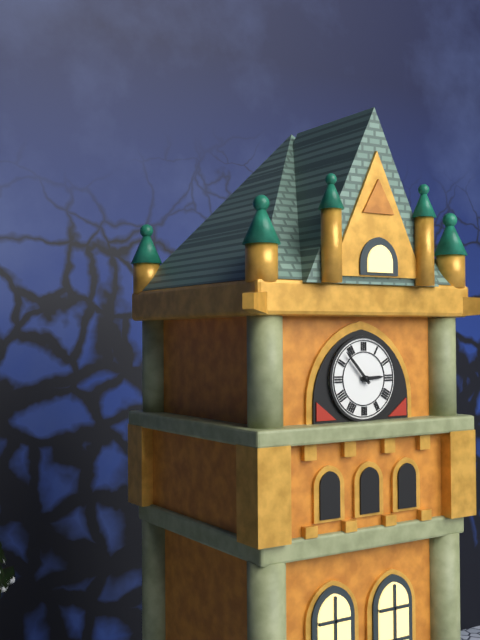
2:53
